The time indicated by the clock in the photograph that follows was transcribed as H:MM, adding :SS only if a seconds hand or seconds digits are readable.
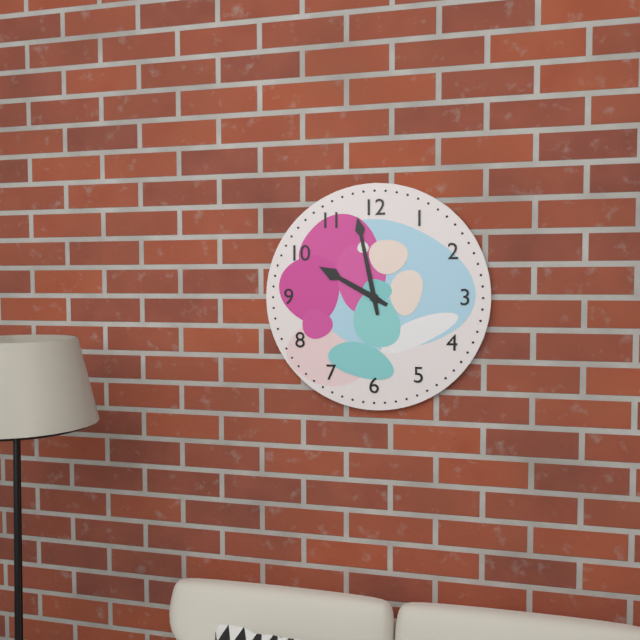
9:58
